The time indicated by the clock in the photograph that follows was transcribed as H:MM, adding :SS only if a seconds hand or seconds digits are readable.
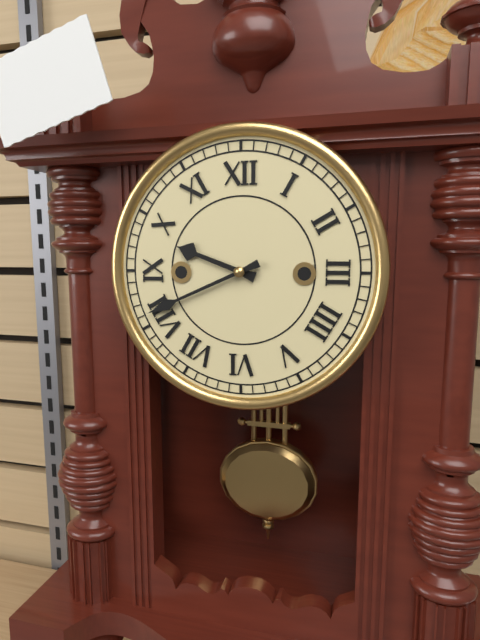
9:41
